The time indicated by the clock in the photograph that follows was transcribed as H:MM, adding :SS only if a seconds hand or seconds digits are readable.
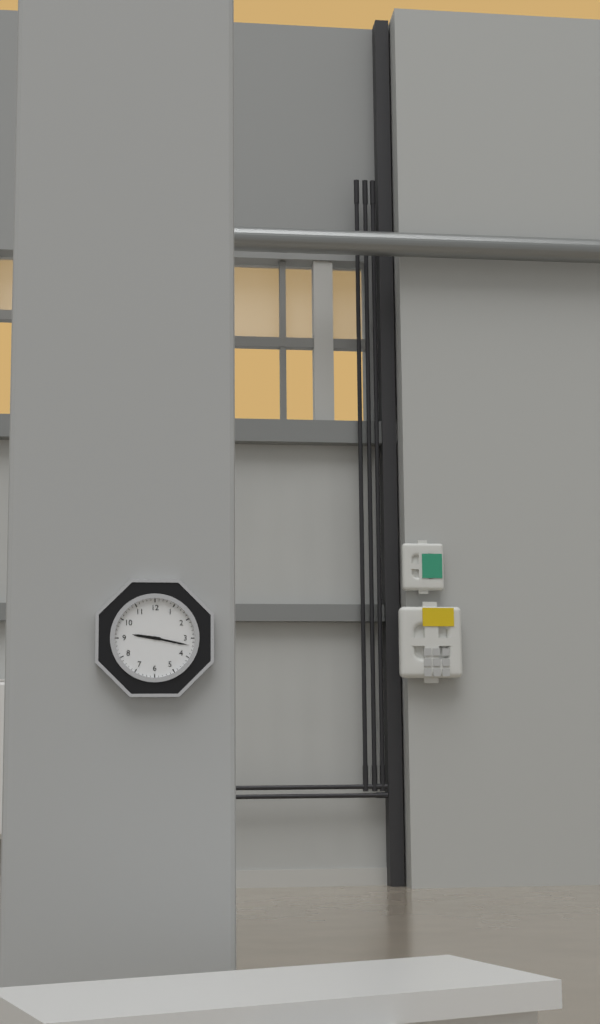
9:17
